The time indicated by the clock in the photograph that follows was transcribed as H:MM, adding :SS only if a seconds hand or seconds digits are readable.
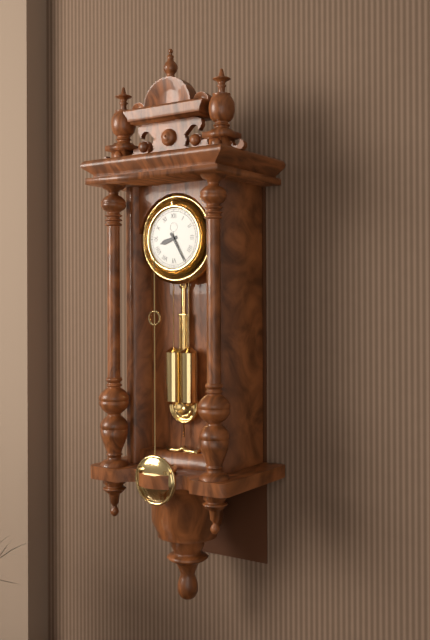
8:25
